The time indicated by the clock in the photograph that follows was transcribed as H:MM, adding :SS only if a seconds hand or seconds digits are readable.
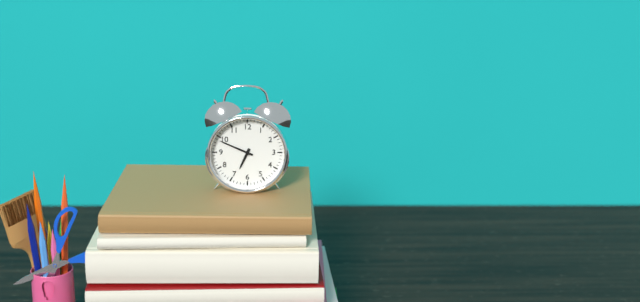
6:49
